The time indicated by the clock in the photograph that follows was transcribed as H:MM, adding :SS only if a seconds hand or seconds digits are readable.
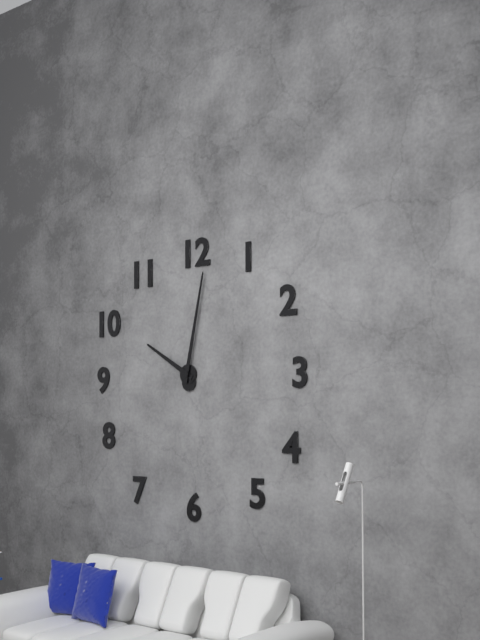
10:02
